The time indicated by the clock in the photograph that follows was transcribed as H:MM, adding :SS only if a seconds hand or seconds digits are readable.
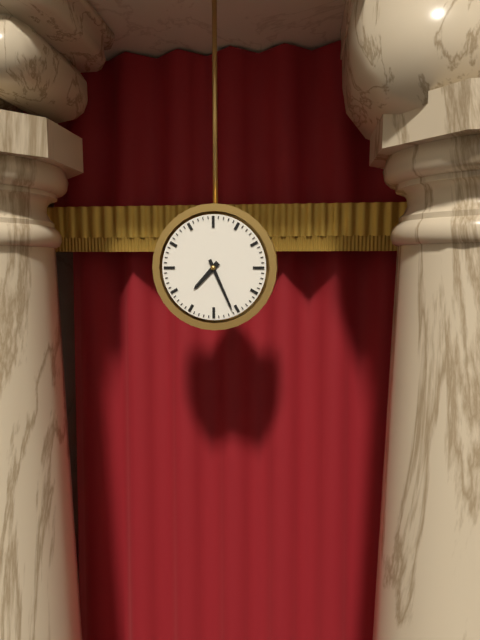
7:26
